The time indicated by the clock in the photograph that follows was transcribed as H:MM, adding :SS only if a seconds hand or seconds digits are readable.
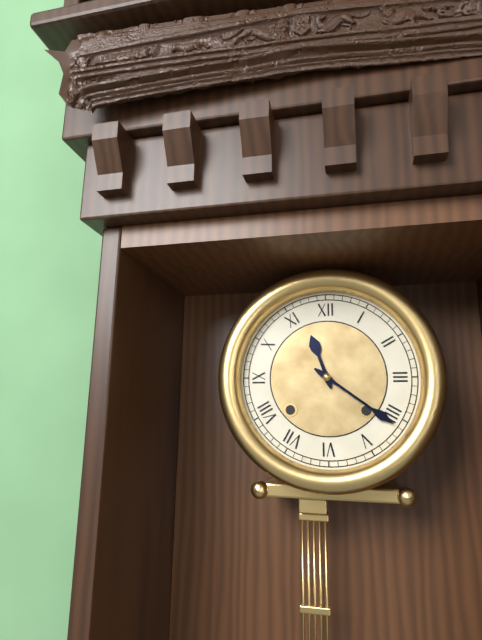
11:21
